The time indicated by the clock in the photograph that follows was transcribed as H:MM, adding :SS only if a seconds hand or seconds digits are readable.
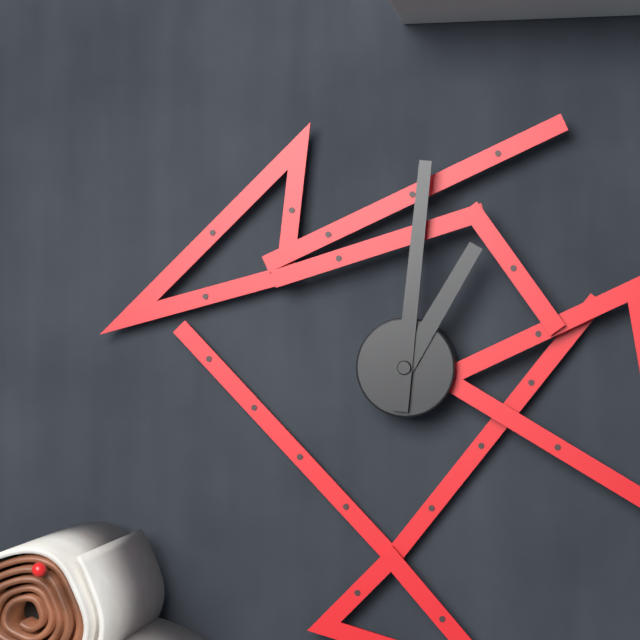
1:01
